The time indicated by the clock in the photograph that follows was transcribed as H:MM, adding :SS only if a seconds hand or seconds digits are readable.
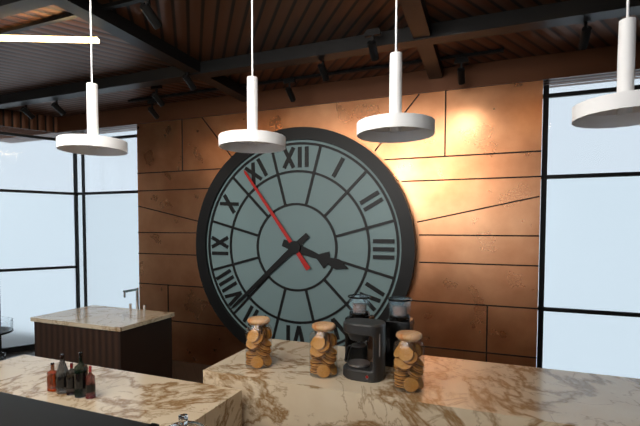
3:38:54
